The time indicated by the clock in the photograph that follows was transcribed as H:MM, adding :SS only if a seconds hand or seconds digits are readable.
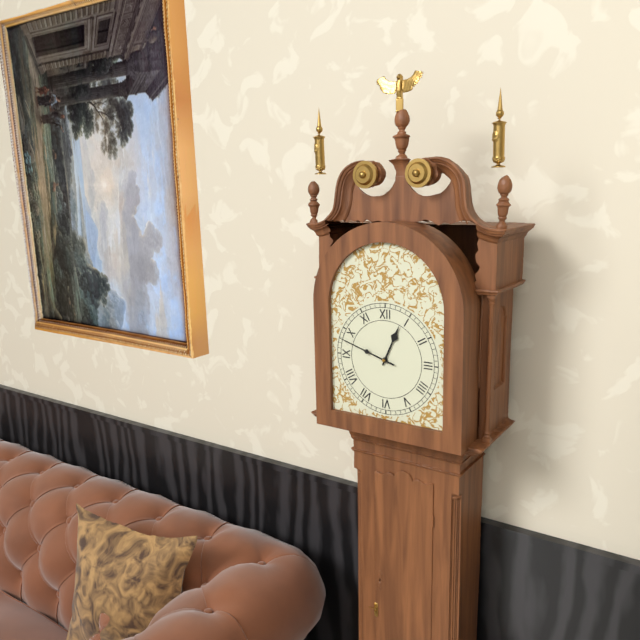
12:48
